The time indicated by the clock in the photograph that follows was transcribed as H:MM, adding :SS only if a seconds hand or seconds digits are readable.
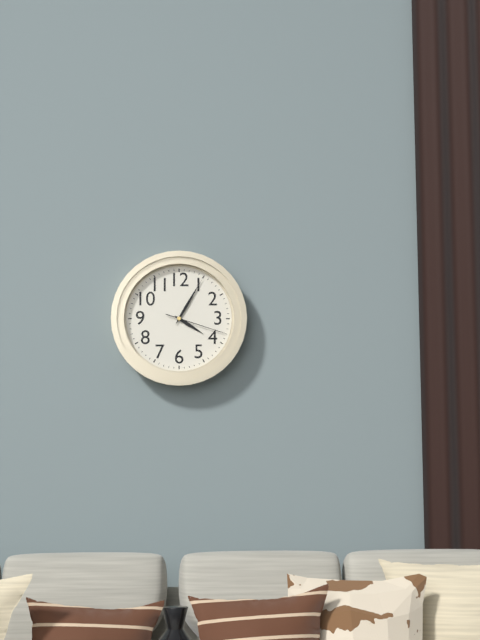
4:05:18
